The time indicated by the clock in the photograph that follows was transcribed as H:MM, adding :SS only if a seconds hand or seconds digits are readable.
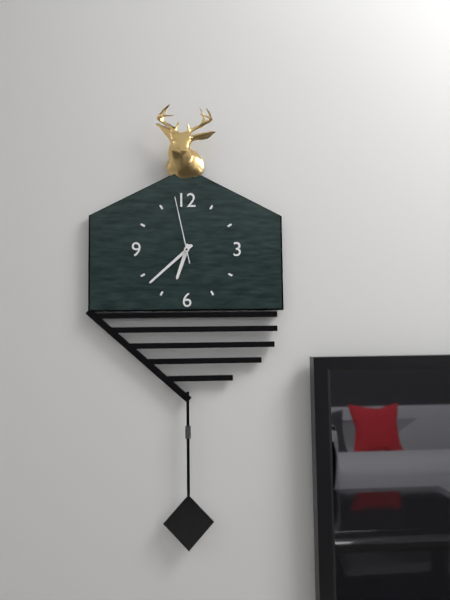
6:38:58
